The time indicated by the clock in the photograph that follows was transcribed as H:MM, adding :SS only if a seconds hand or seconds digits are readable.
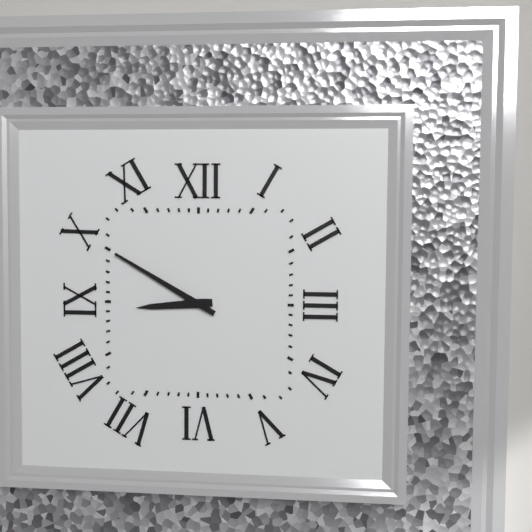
8:50
